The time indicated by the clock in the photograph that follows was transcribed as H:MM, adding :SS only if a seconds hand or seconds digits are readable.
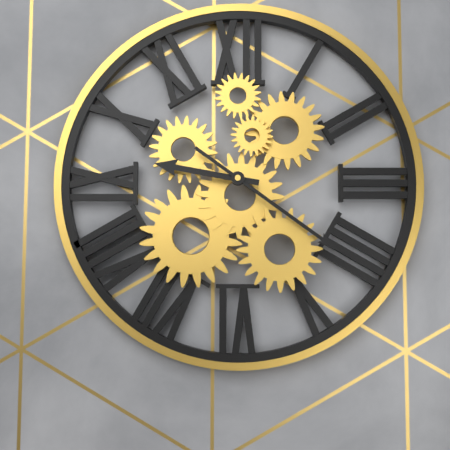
9:21
